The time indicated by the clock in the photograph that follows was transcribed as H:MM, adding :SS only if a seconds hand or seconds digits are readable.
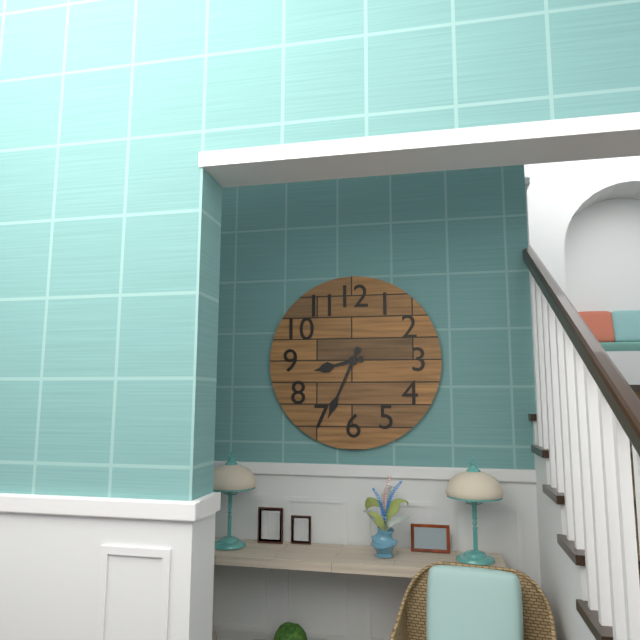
8:34
